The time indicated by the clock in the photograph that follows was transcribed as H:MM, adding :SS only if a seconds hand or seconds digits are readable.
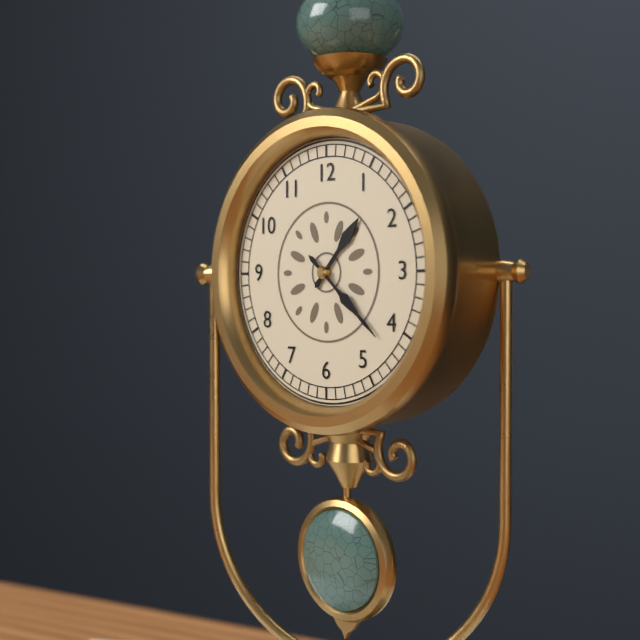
1:22
